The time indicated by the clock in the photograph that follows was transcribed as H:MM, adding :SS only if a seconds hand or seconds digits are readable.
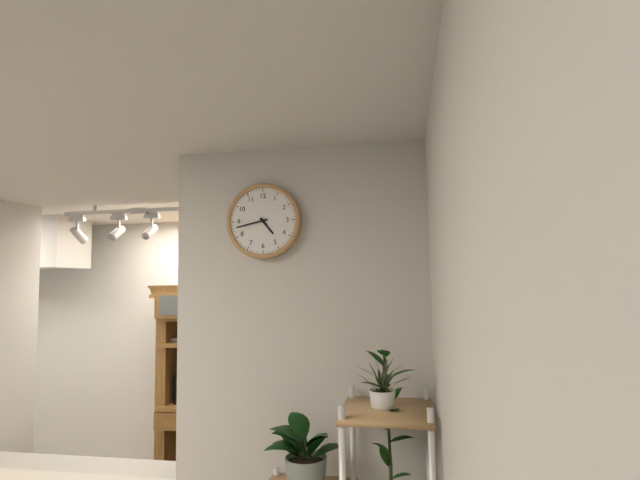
4:43
